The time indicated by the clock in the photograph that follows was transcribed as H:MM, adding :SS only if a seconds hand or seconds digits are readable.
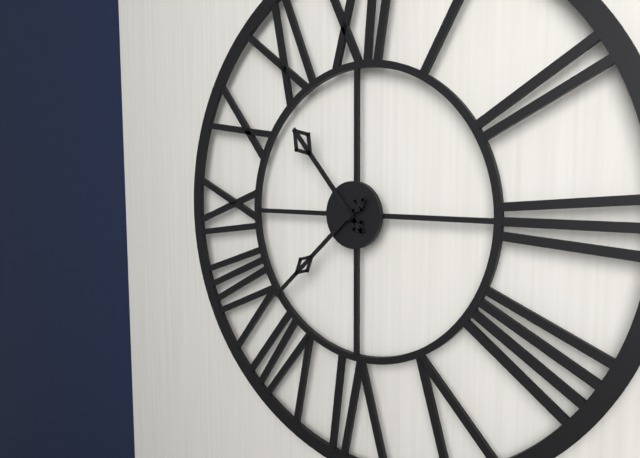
10:38
